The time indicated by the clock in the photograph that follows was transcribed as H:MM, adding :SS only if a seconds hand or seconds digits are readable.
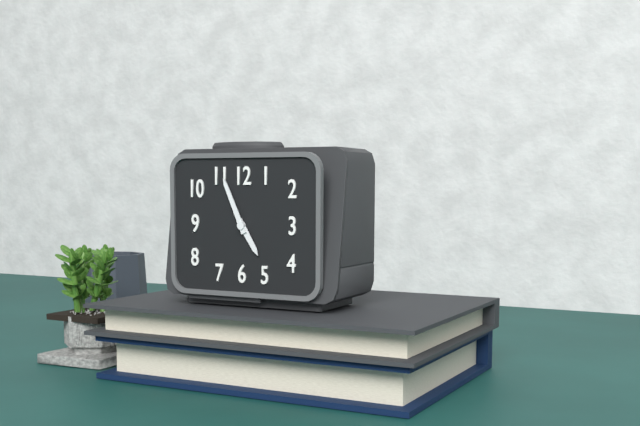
4:56
